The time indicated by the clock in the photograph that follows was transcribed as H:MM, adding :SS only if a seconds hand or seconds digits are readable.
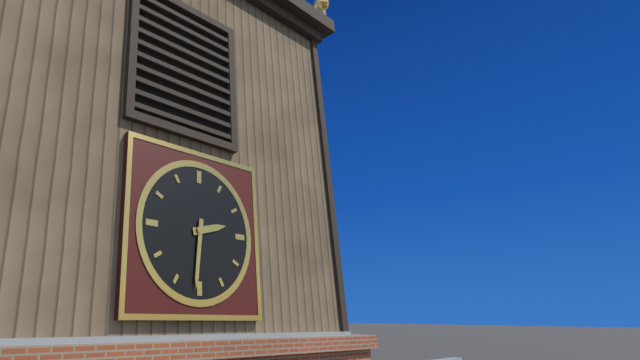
2:31
